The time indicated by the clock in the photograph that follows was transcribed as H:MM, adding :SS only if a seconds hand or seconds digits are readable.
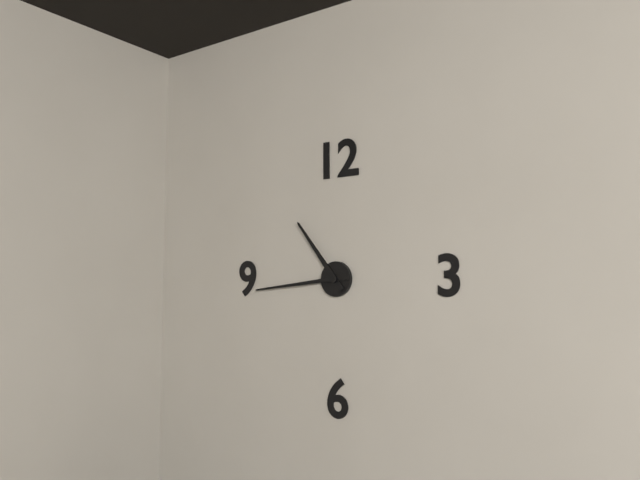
10:44
